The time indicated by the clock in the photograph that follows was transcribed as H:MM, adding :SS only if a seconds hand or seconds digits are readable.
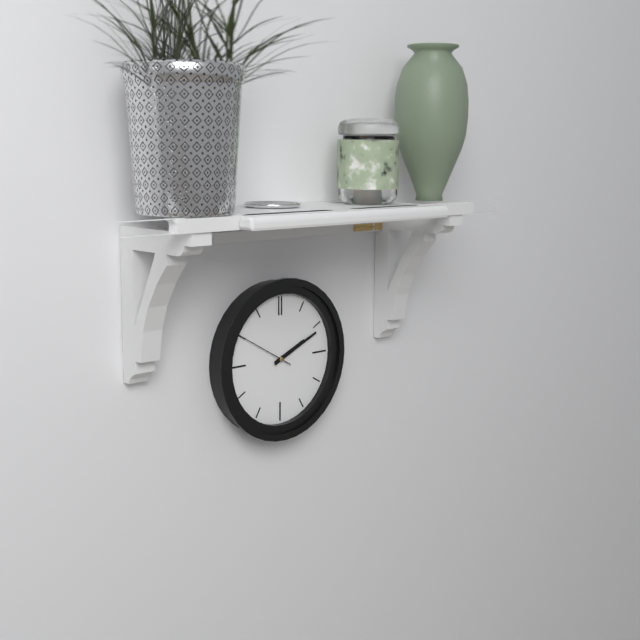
2:11:50
